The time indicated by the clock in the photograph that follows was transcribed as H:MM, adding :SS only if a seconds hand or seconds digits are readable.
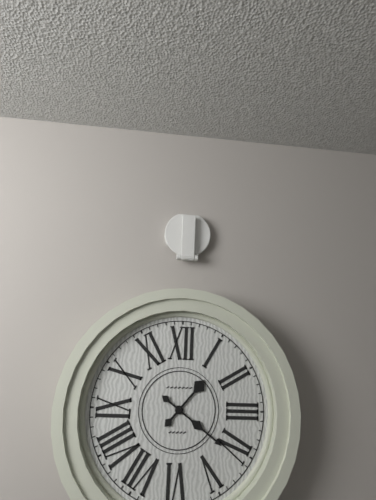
1:21
